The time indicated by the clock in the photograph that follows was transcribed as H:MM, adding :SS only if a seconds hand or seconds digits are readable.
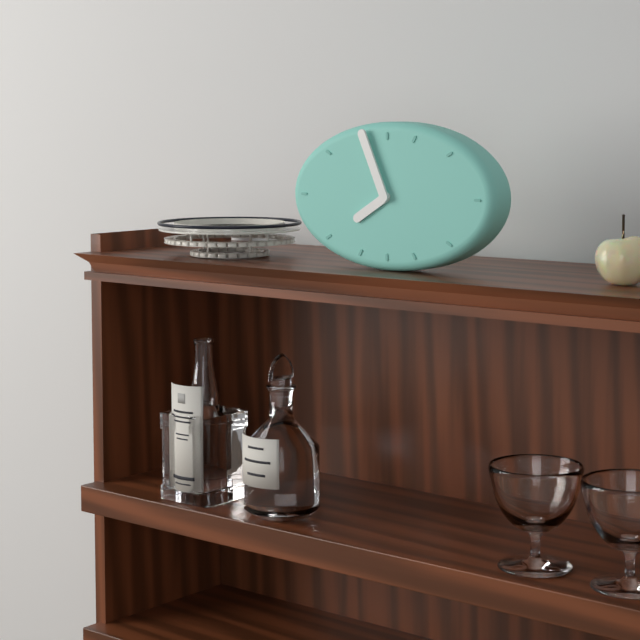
7:56
